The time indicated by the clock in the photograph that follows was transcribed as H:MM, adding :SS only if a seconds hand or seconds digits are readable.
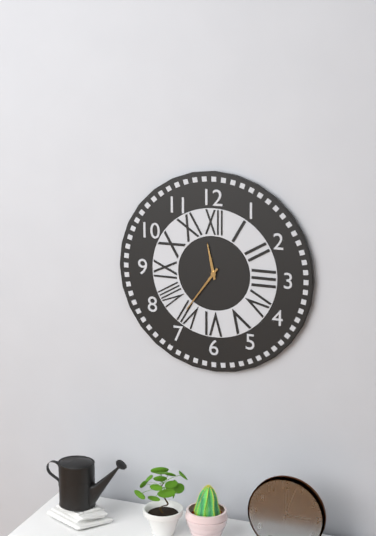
11:36
